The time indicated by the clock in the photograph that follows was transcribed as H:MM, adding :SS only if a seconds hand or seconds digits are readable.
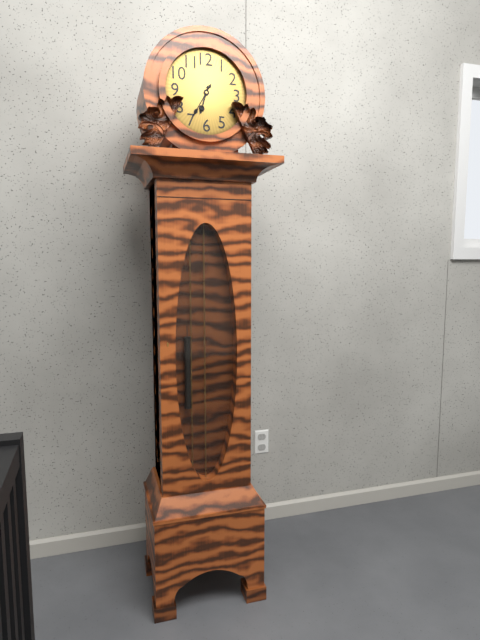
6:35
